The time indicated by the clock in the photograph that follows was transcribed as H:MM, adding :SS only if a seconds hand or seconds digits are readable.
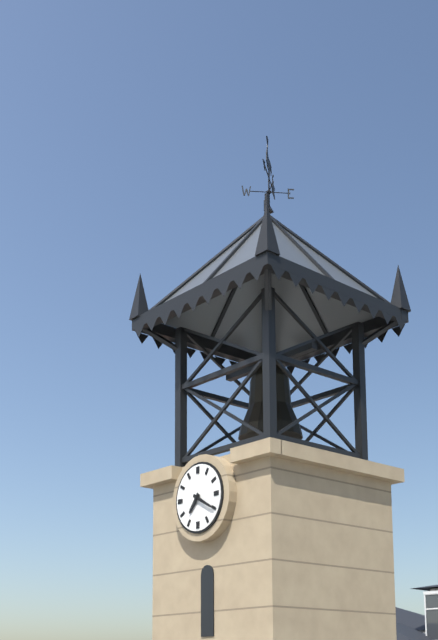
7:20
